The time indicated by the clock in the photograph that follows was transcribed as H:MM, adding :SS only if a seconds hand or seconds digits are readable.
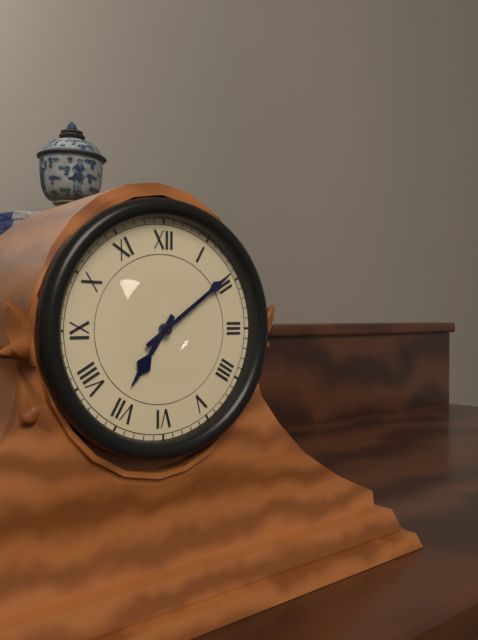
7:09
